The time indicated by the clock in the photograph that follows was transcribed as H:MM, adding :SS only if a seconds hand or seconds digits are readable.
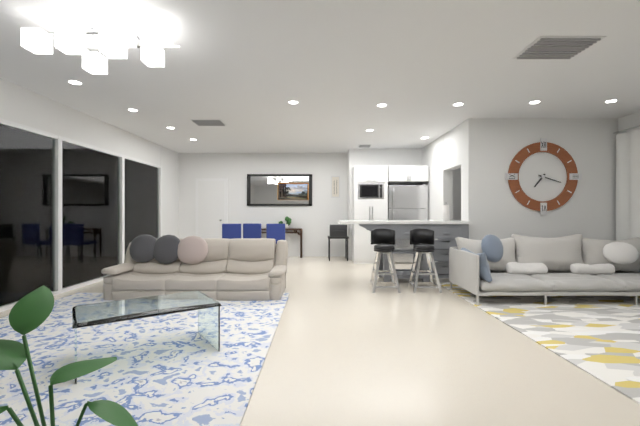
7:18
